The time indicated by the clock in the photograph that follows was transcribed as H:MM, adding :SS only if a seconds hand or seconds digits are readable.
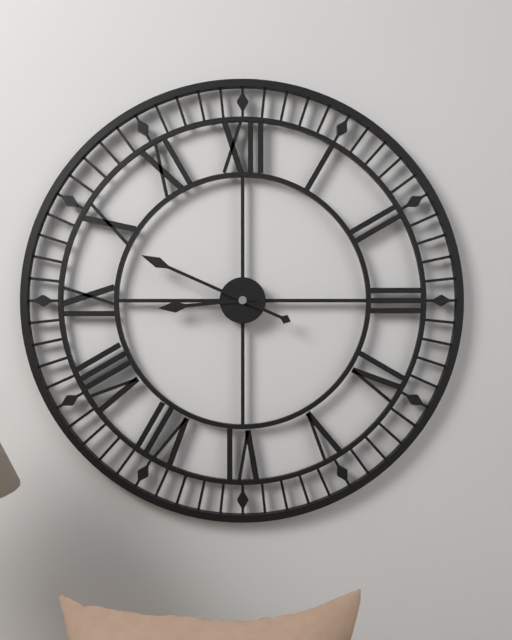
8:49
